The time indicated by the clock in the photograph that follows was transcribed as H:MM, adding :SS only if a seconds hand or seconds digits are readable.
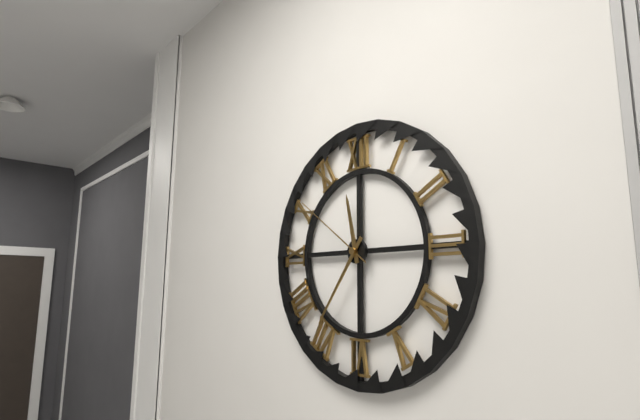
11:36:51
